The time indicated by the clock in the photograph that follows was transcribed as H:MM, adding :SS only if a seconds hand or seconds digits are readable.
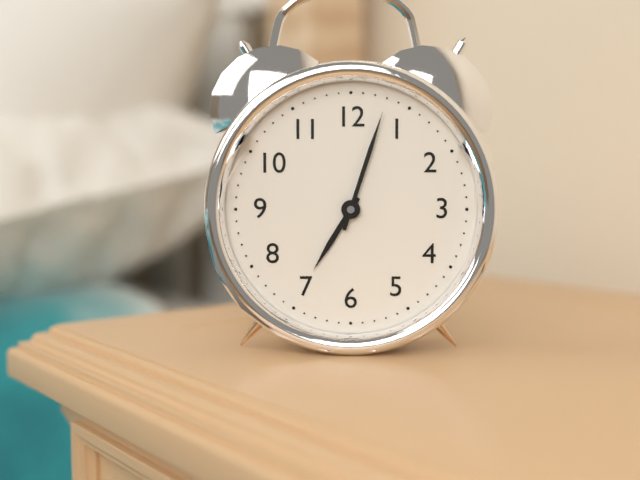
7:03
